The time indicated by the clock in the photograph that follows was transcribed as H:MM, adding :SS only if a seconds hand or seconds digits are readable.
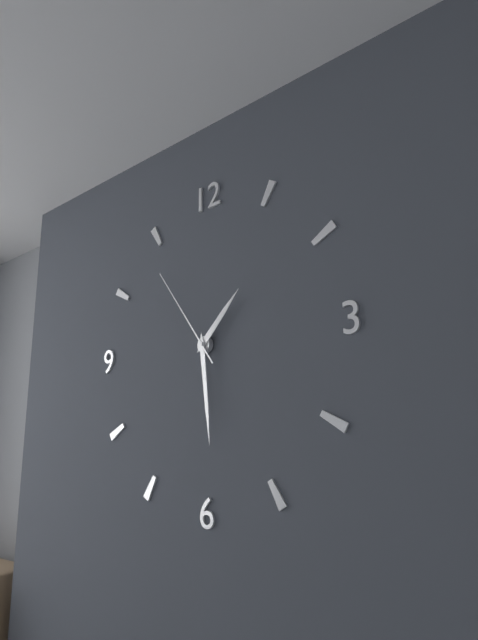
1:29:54
